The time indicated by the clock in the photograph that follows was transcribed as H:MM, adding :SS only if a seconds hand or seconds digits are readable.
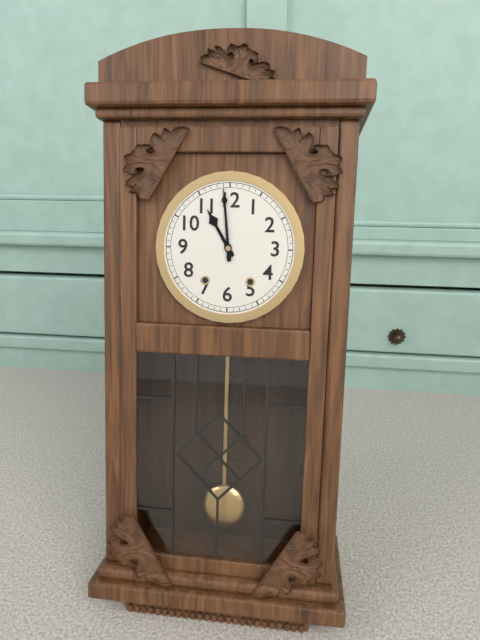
10:59
